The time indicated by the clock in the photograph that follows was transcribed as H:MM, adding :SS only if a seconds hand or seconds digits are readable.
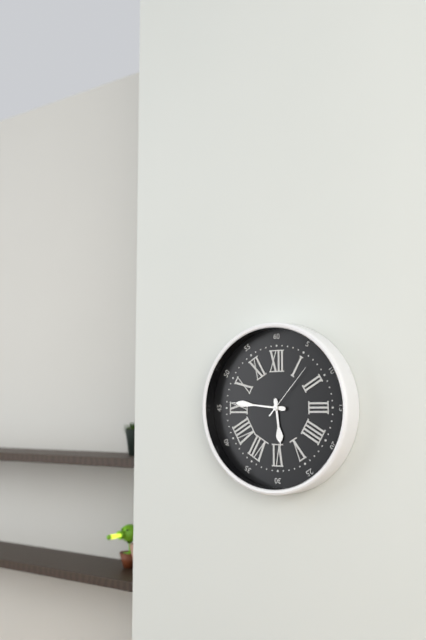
5:46:07
